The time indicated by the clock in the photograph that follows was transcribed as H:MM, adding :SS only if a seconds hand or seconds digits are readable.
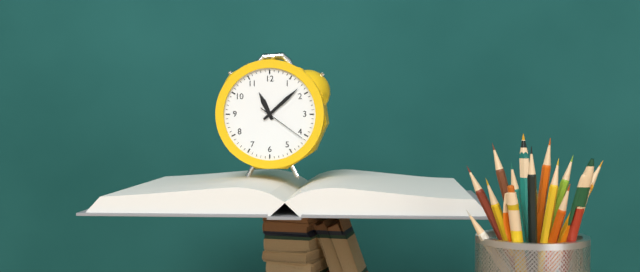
11:08:21
